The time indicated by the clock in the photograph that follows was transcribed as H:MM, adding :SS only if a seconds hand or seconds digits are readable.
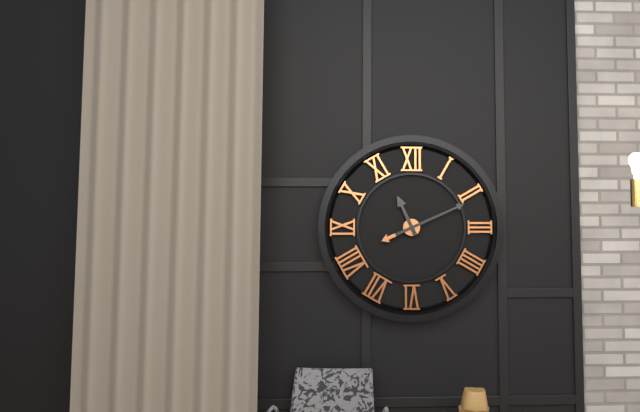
11:11
